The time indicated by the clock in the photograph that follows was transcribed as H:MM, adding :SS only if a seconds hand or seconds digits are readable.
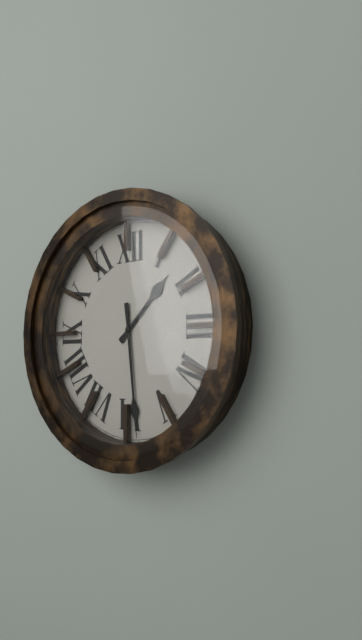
1:29
